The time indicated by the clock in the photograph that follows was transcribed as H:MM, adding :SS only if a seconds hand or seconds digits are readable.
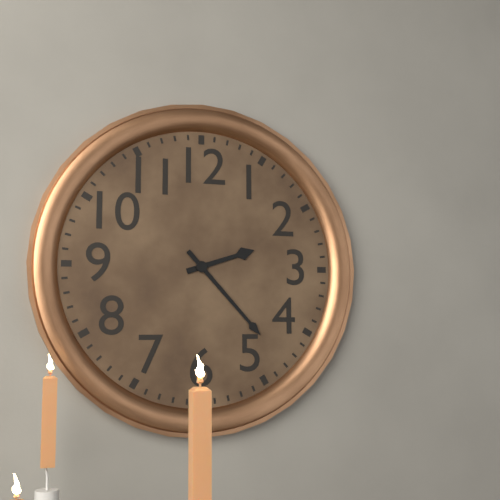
2:23
